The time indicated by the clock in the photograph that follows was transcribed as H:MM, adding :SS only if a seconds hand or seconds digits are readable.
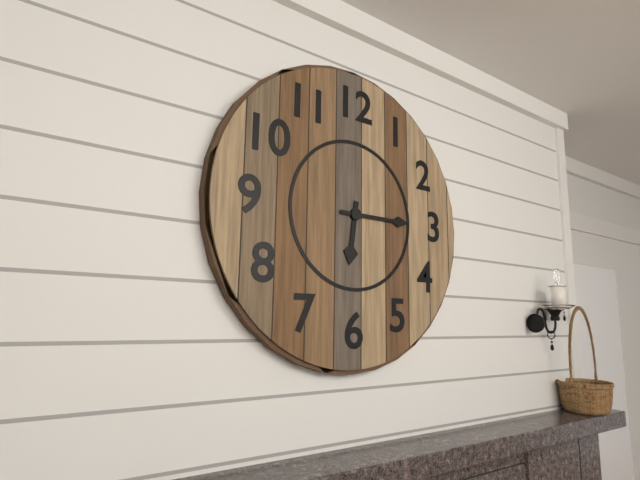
6:15
